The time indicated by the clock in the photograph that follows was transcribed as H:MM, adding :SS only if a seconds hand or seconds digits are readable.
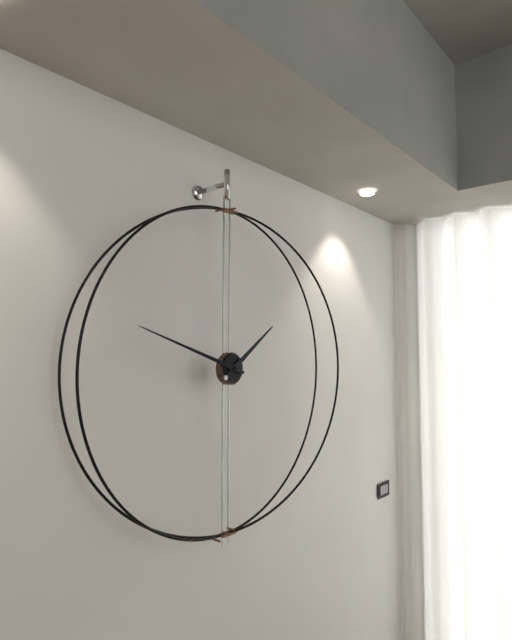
1:48
